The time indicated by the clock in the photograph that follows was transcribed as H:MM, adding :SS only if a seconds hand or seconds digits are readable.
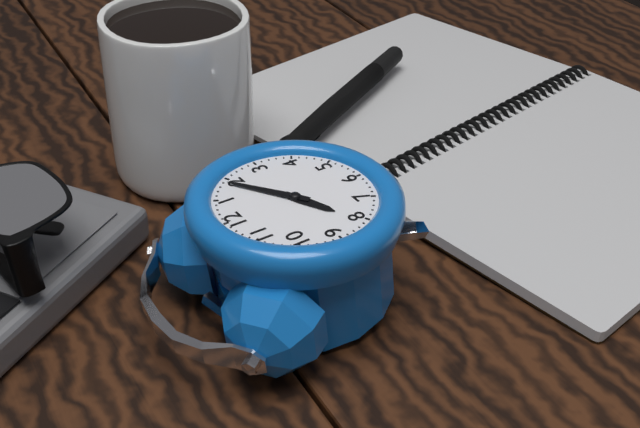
8:09
